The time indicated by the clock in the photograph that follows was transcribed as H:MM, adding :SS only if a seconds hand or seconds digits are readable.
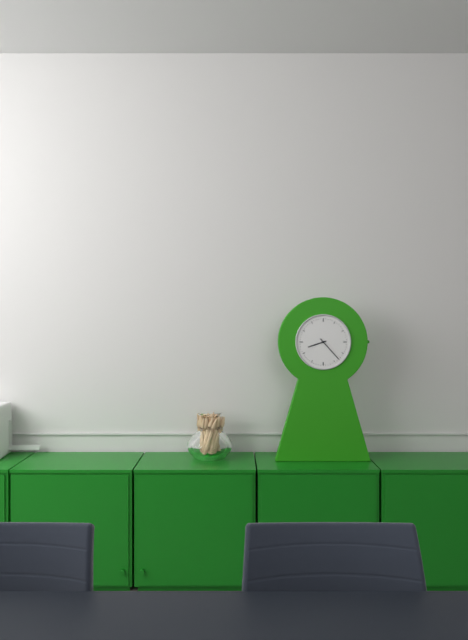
8:23
